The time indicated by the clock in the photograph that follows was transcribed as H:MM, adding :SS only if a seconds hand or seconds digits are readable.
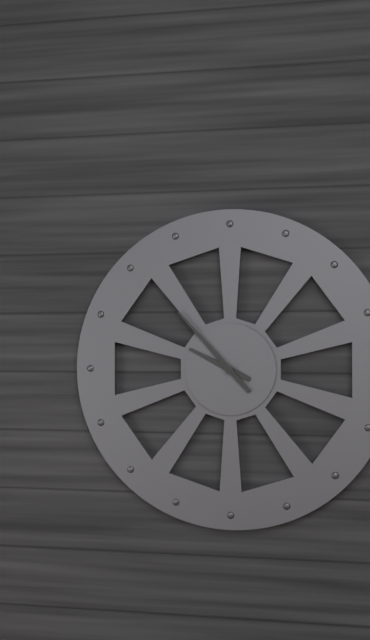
9:53
